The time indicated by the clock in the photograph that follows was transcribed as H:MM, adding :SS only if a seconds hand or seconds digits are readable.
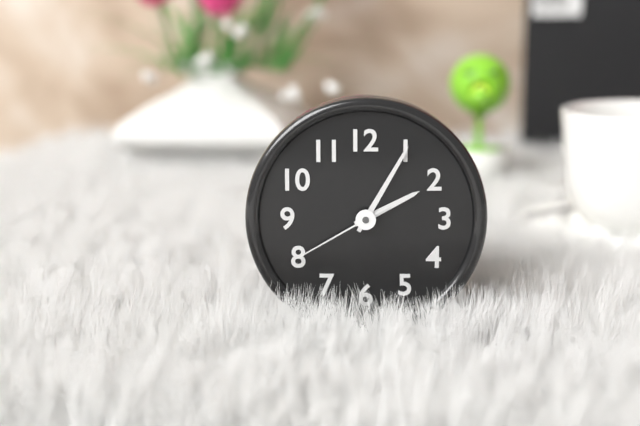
2:05:40
